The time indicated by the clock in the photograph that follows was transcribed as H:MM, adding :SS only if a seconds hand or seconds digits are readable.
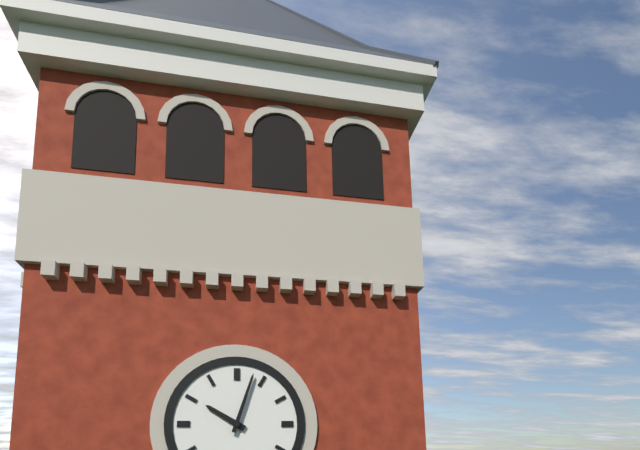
10:03
